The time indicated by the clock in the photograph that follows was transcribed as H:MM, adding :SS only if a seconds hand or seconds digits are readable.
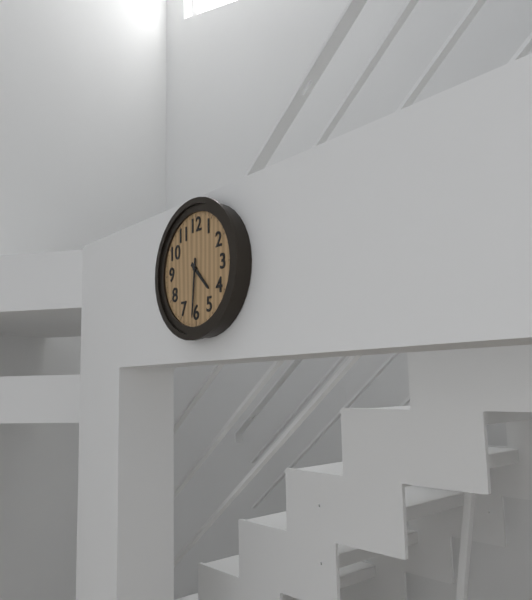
4:31
